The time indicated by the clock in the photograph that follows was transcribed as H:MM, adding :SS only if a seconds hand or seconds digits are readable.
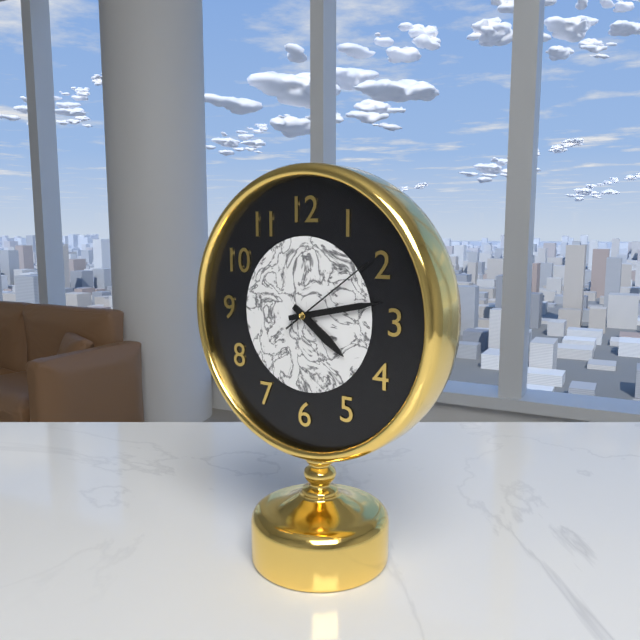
4:13:09
